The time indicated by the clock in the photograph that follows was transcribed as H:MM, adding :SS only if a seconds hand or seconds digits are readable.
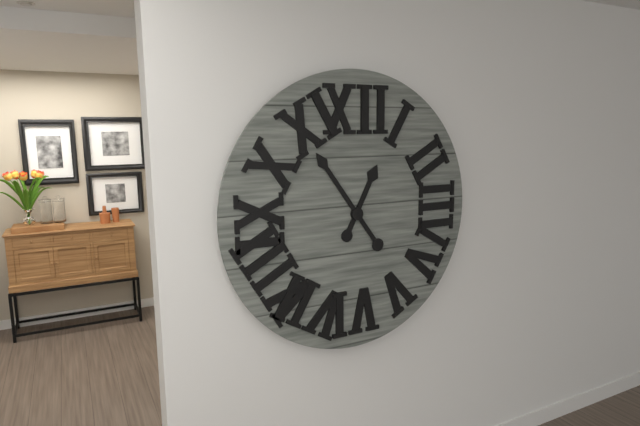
12:54
